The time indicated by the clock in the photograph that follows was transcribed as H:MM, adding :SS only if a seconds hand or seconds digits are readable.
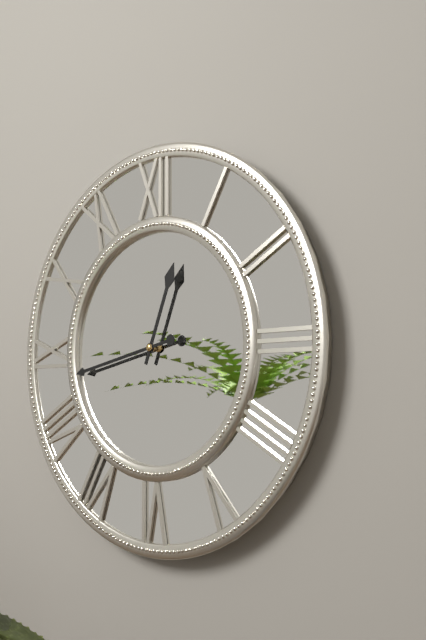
12:43
